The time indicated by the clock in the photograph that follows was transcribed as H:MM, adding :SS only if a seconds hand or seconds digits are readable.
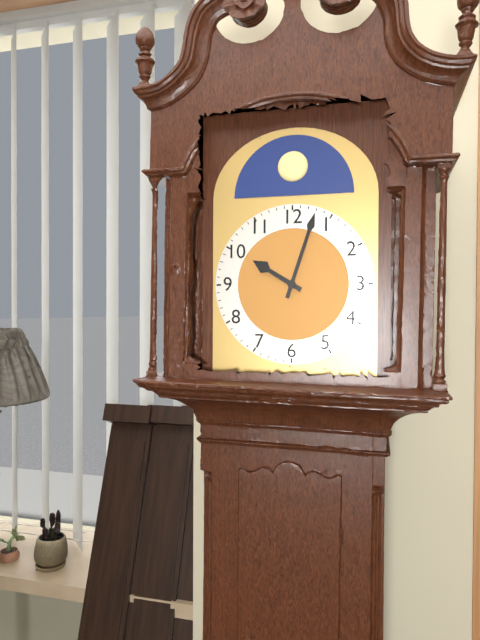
10:03
